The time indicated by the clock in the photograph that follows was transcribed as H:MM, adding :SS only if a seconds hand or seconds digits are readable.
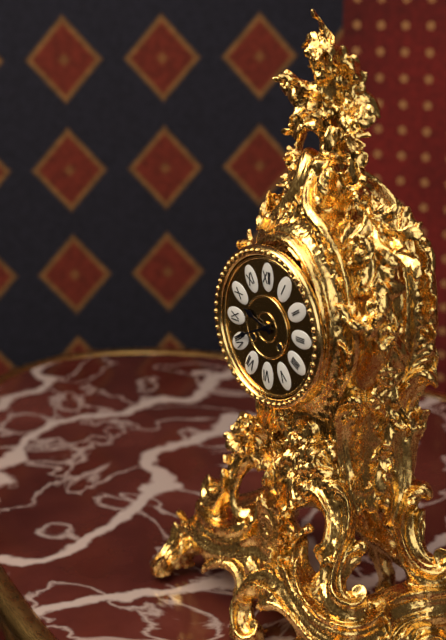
9:41
